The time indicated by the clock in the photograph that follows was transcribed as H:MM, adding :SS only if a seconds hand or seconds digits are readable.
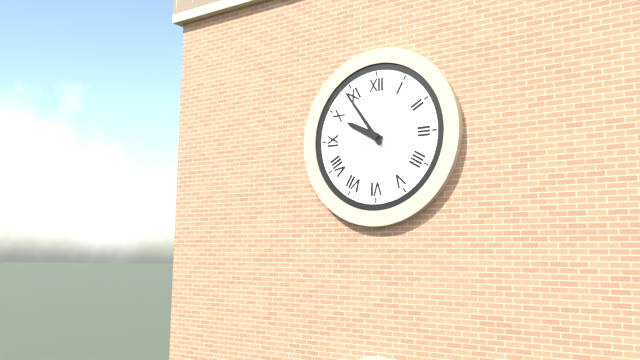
9:54
